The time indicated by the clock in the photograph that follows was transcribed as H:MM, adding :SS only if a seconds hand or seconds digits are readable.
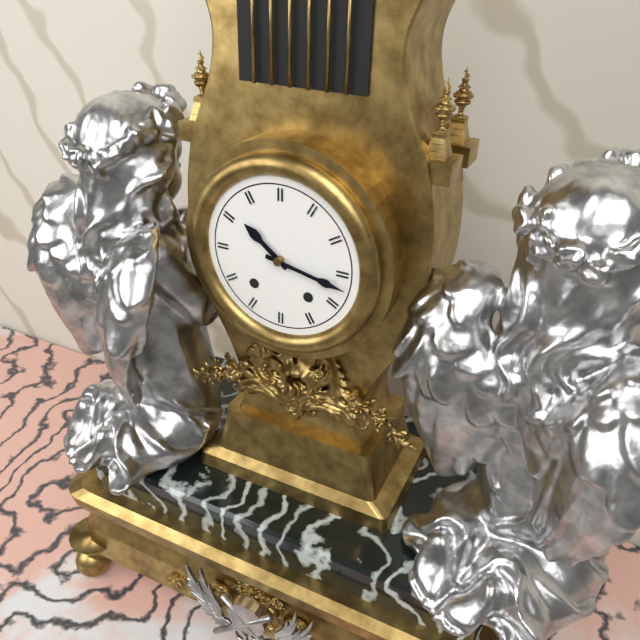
10:17
